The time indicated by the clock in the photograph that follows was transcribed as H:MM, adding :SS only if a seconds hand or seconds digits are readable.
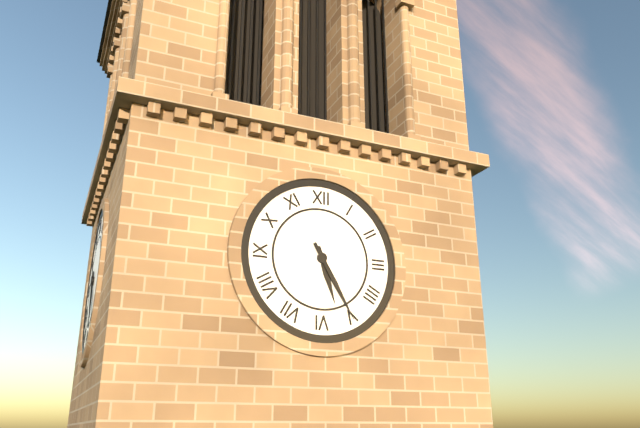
5:25
